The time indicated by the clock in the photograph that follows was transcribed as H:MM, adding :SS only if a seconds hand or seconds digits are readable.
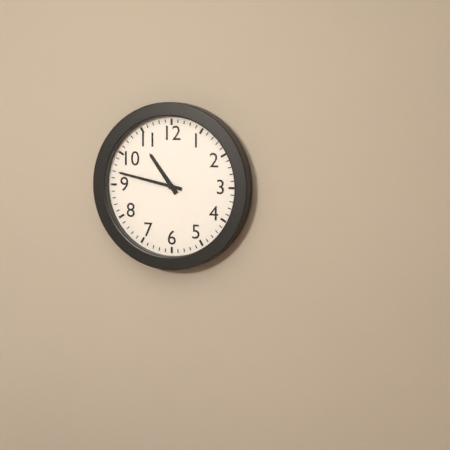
10:47
